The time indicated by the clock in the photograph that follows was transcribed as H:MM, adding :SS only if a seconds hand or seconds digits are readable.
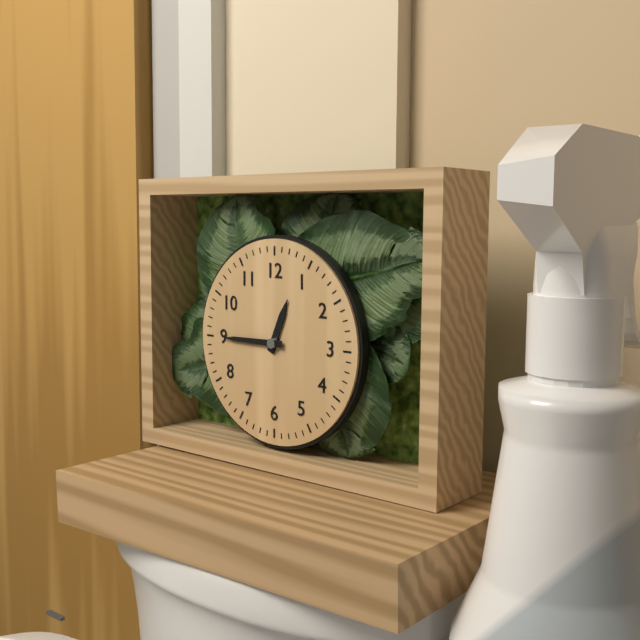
12:45
